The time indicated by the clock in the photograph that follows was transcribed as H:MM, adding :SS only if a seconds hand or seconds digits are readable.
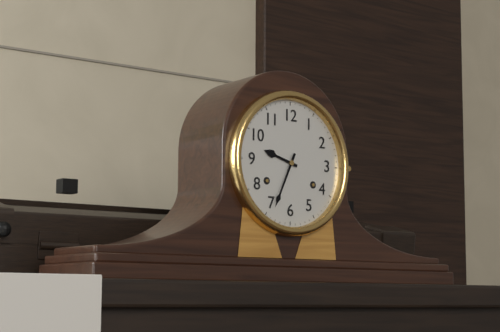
9:34
